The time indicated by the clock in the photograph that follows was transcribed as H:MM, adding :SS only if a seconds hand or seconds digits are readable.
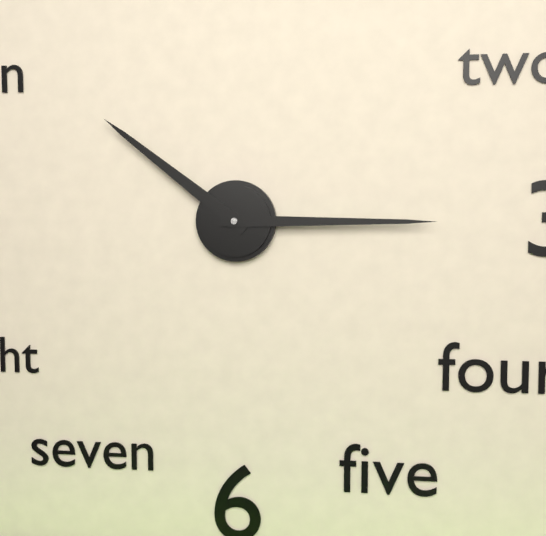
10:15
